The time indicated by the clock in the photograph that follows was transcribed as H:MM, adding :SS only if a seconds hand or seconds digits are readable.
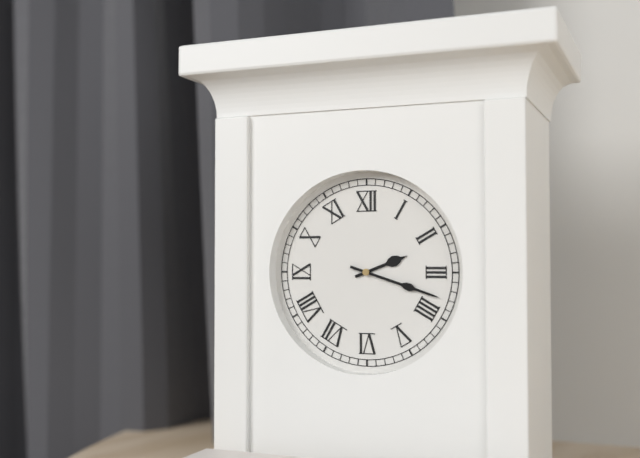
2:18
